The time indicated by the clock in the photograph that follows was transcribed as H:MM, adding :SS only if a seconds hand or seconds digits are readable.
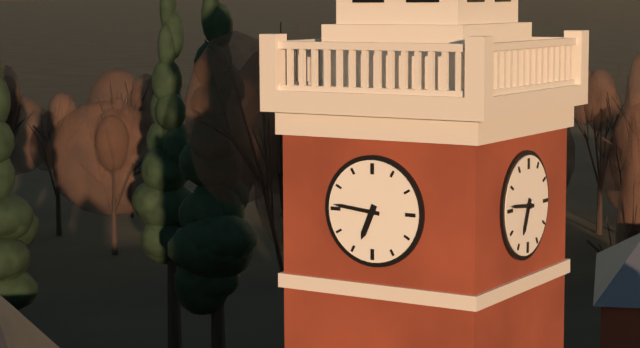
6:46
